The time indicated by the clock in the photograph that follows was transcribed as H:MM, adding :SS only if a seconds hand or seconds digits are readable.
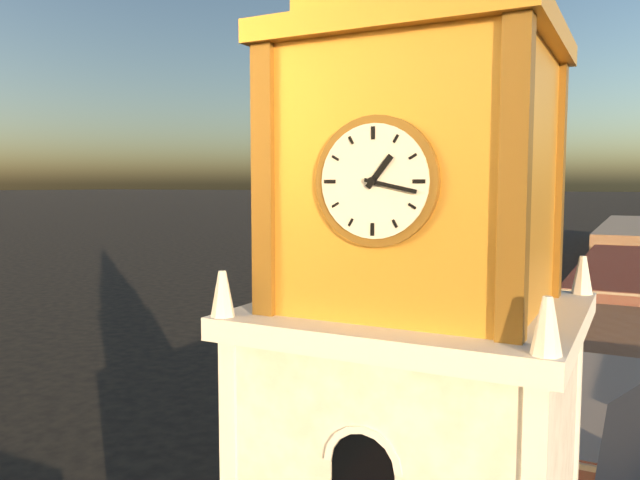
1:17
